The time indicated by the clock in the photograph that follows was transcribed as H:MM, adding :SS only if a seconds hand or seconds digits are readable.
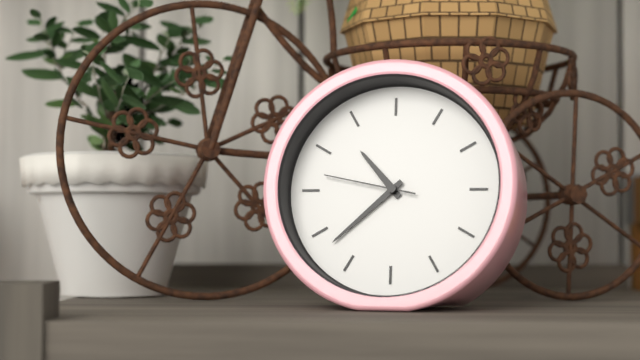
10:38:47
